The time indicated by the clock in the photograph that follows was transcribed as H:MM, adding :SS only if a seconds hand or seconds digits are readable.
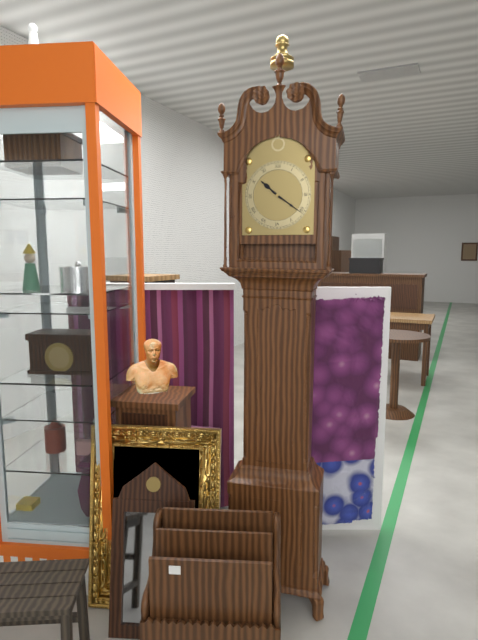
10:21
